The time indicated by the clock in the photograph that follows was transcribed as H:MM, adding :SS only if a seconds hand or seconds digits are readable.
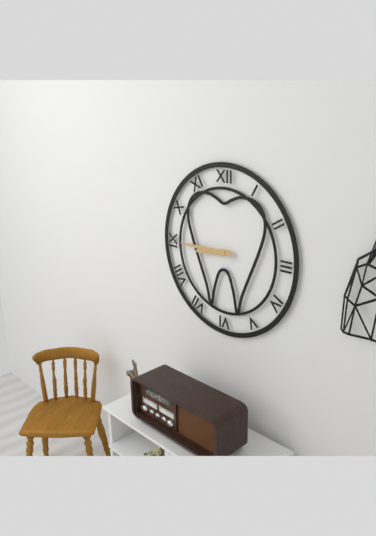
8:45
